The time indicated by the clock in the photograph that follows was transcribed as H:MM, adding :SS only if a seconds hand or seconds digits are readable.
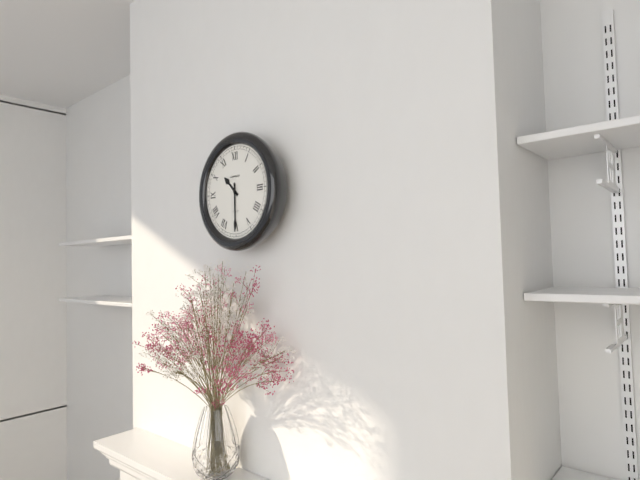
10:30
